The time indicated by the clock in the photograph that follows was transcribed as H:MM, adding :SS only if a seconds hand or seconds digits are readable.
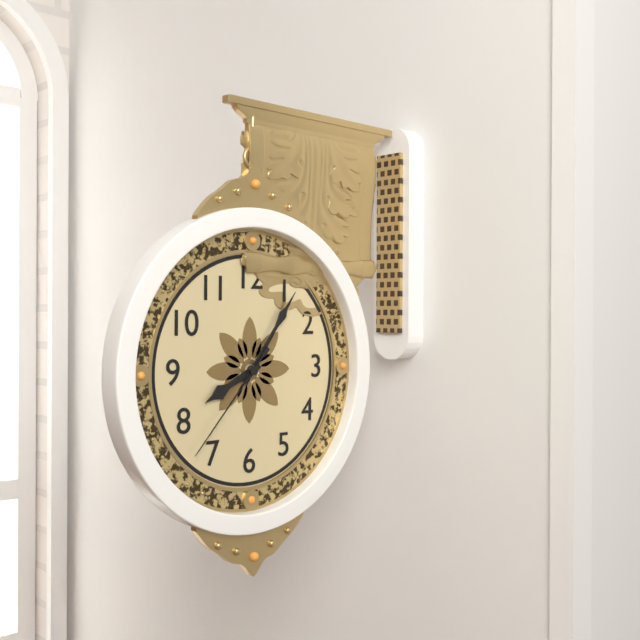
8:06:37
